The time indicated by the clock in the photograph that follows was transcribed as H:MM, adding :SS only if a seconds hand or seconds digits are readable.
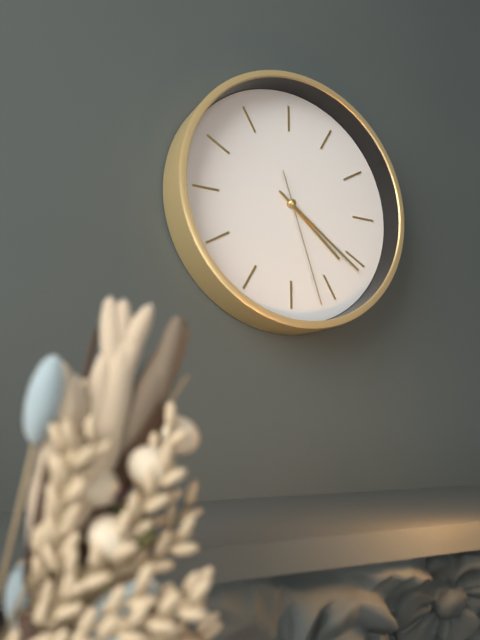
4:21:27
